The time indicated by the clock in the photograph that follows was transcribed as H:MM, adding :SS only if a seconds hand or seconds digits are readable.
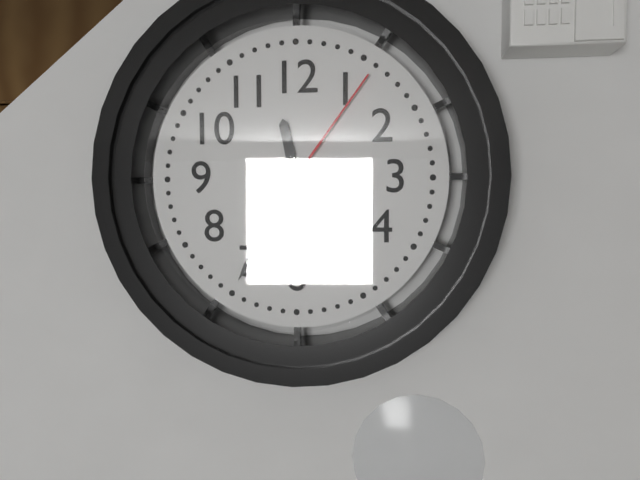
11:35:06
